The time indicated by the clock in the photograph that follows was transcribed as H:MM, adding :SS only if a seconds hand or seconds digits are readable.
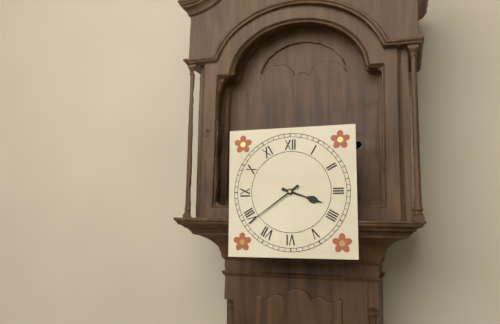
3:39
